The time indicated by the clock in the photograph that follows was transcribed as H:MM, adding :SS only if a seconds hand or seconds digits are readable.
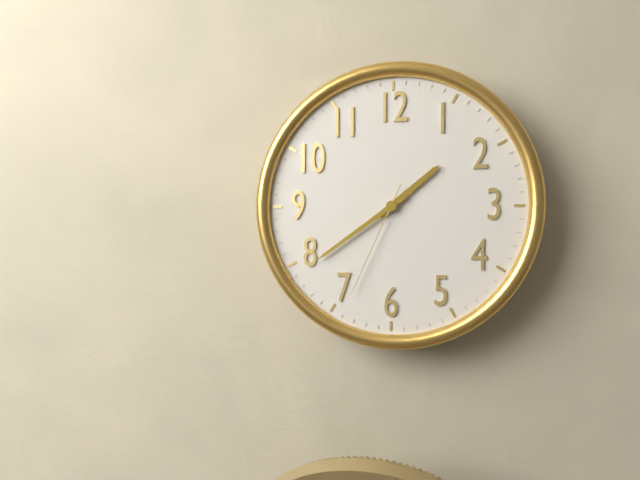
1:39:34
